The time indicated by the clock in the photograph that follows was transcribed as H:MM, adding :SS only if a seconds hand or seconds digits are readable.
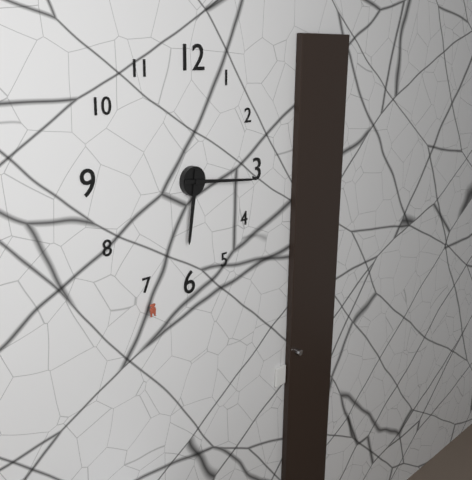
6:16
